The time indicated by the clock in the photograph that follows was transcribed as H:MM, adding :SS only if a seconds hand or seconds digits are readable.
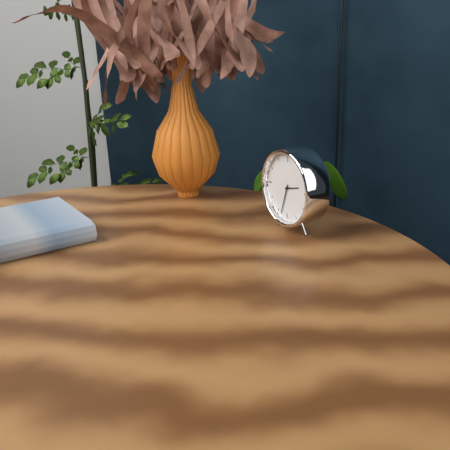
2:33
